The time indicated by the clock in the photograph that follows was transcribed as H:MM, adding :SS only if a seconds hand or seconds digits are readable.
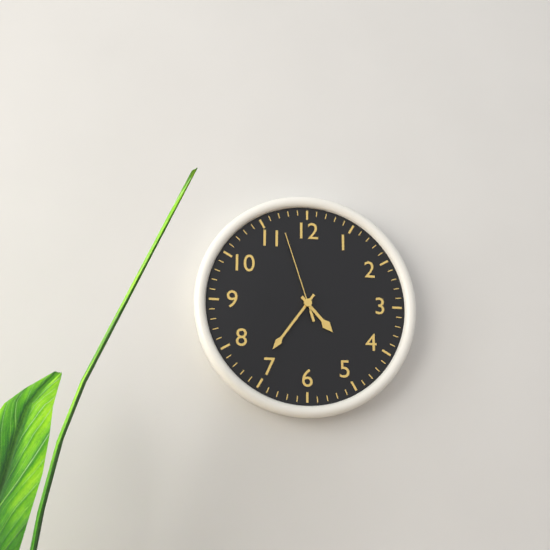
4:36:57
